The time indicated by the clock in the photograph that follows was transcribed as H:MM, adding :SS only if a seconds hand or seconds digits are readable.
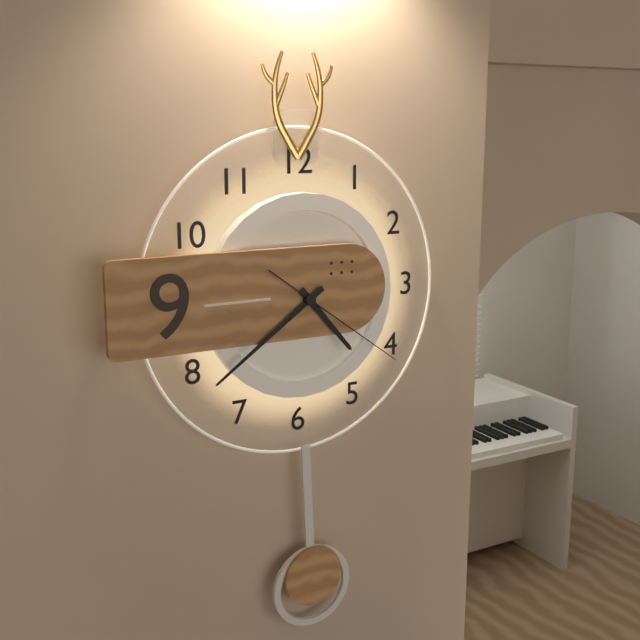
4:39:21
